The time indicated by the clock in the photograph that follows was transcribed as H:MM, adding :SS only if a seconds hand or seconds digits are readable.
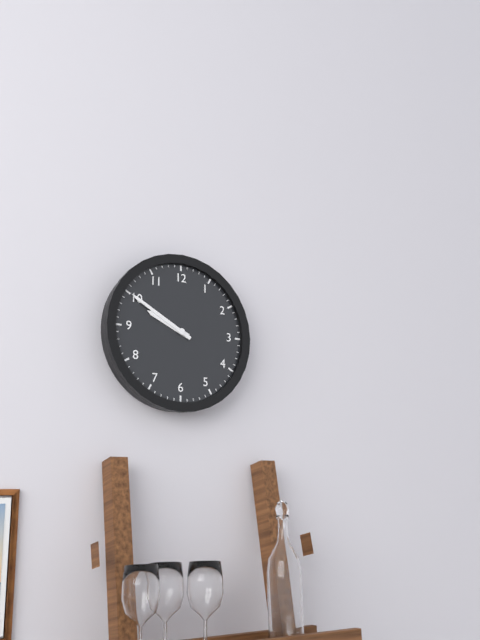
9:50
